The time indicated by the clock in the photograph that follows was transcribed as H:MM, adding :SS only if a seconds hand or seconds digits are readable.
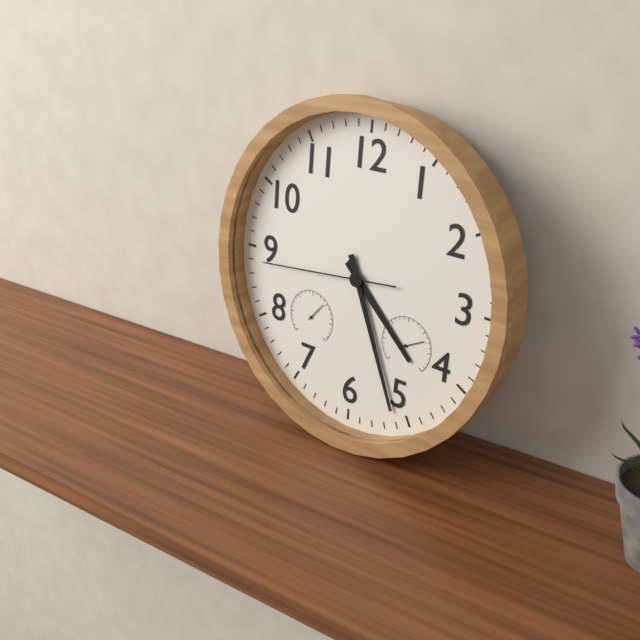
4:26:44
